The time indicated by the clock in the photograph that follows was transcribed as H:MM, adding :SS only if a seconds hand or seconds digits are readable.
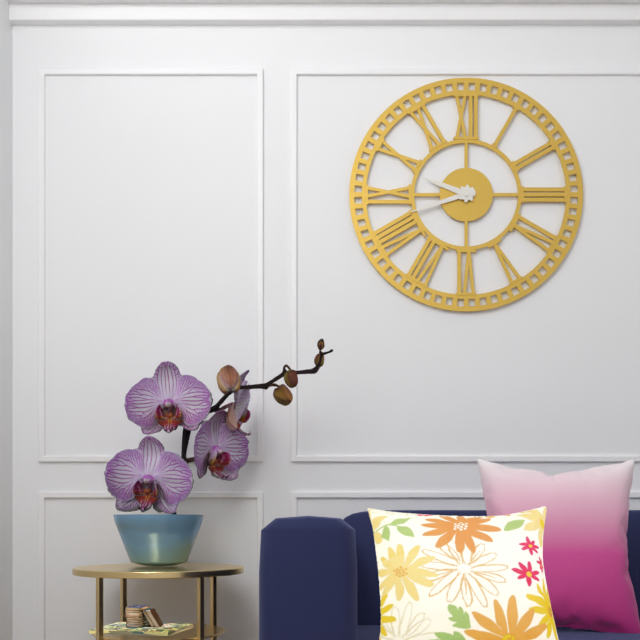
9:42
